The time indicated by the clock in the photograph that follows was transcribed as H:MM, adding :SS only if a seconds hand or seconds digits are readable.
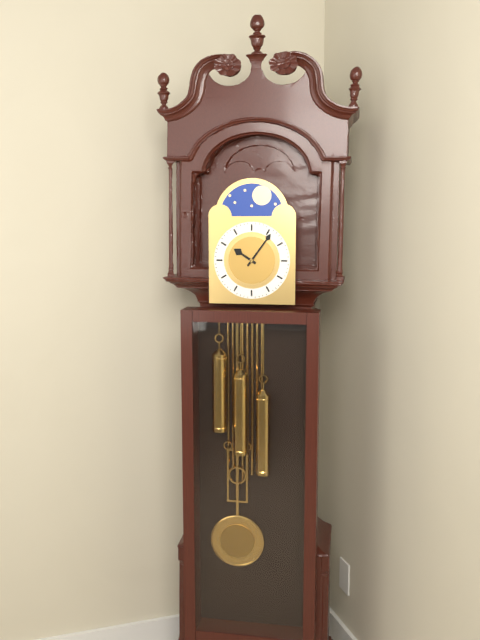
10:06
